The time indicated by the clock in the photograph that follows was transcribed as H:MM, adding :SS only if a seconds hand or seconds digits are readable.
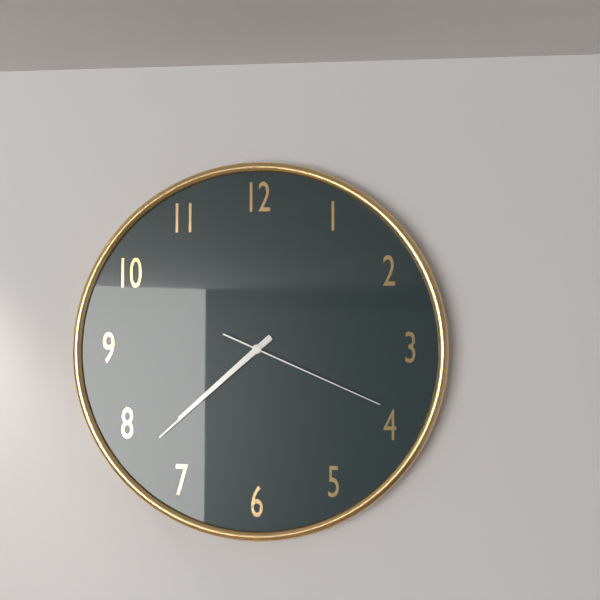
7:38:19
